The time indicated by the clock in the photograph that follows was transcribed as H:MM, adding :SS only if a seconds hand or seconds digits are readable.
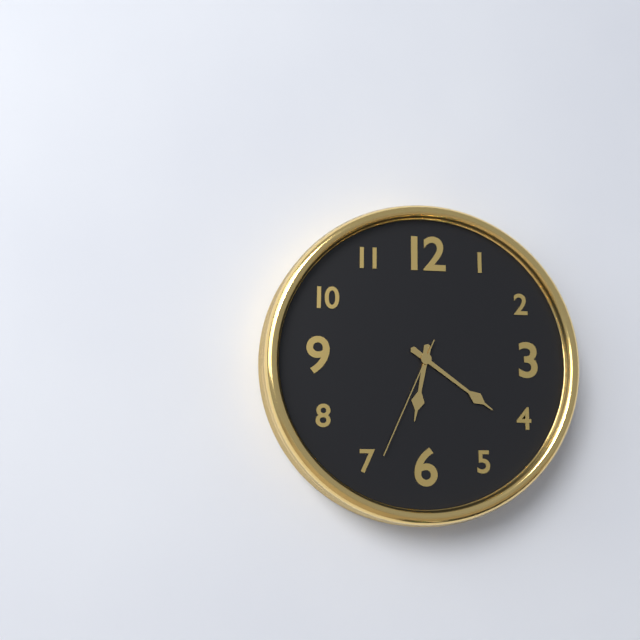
6:21:34
